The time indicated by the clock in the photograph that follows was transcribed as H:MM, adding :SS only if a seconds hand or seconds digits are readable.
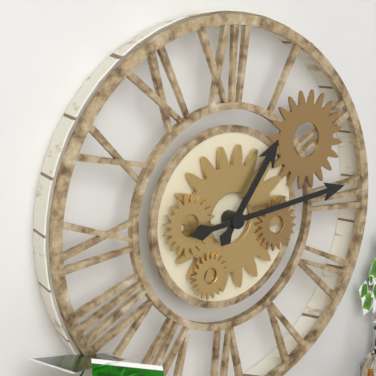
1:14
